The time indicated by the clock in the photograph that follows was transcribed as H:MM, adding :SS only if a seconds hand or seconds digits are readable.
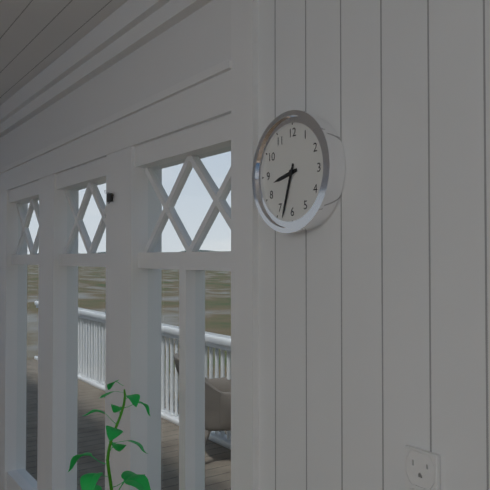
8:33
